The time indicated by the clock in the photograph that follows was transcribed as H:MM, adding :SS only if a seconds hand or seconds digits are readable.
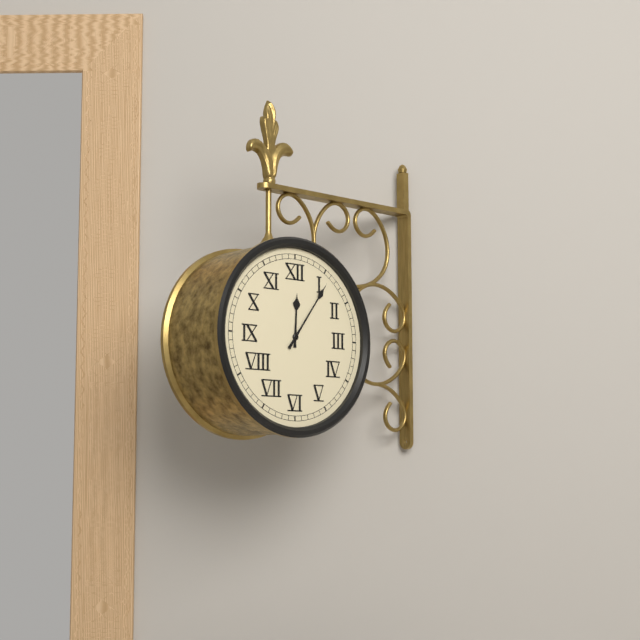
12:06
